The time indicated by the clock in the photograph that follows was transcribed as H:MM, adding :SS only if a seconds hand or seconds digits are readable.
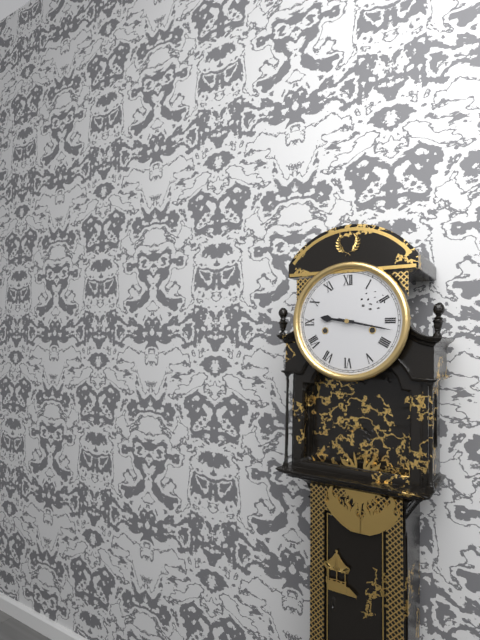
9:17
